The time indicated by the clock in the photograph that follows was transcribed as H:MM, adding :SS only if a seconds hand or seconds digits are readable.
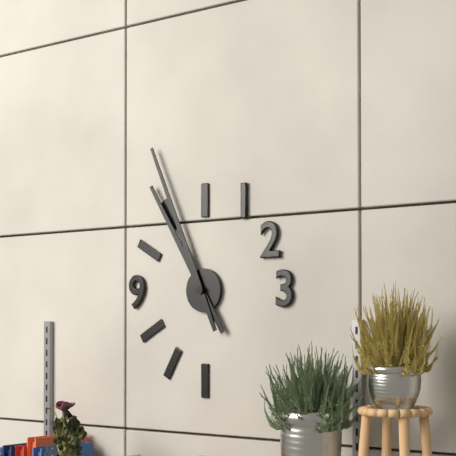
10:56
